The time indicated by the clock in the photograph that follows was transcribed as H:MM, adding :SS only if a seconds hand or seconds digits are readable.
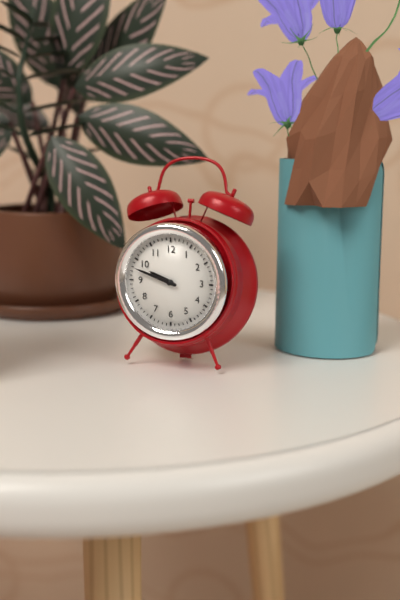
9:48
